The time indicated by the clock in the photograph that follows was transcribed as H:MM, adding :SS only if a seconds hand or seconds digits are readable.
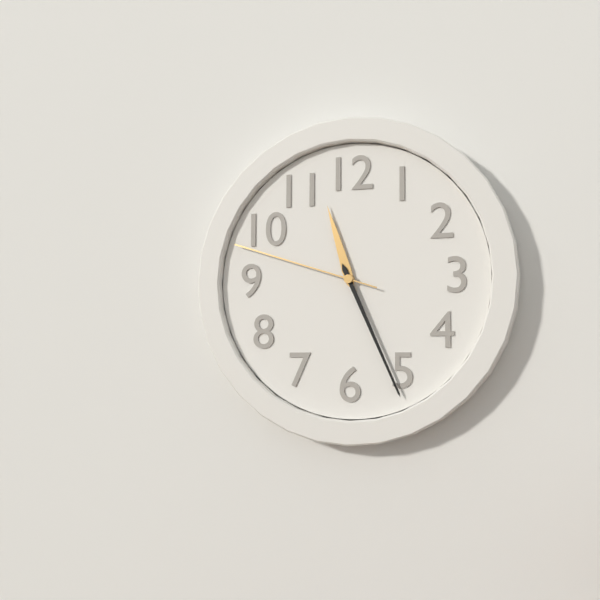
11:26:48
